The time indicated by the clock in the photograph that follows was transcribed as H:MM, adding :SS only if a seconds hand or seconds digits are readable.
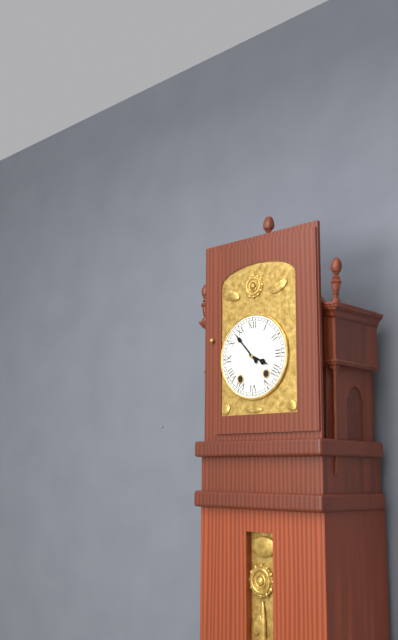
3:53
